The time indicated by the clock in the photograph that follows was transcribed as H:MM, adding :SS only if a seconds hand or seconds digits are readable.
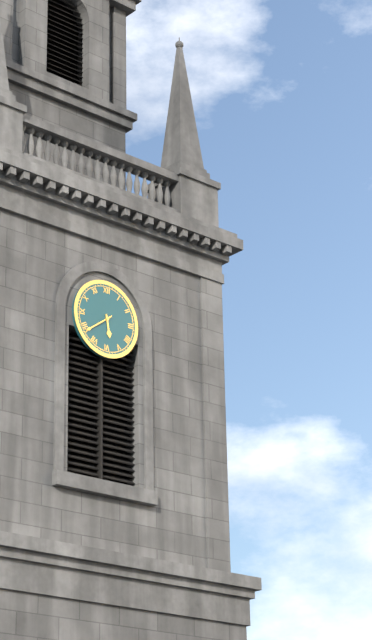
5:39
